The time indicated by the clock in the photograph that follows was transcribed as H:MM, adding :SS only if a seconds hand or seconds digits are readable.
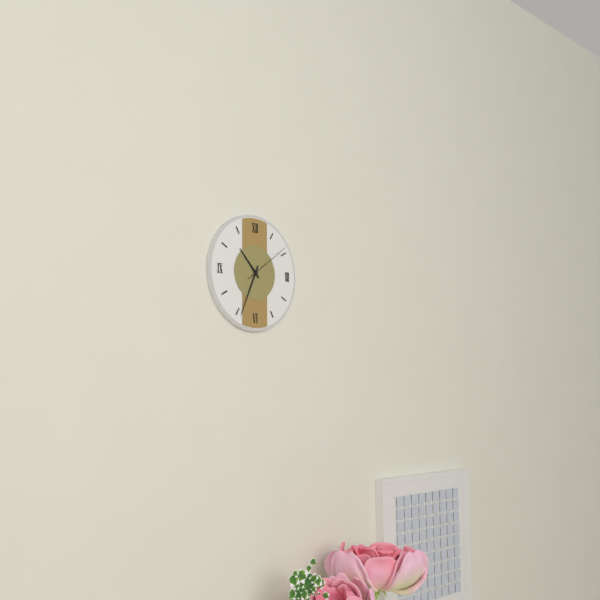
10:34
